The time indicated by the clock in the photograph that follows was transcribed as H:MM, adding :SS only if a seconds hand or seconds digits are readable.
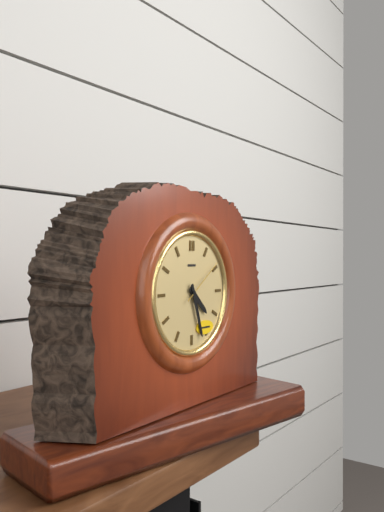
4:27:09
